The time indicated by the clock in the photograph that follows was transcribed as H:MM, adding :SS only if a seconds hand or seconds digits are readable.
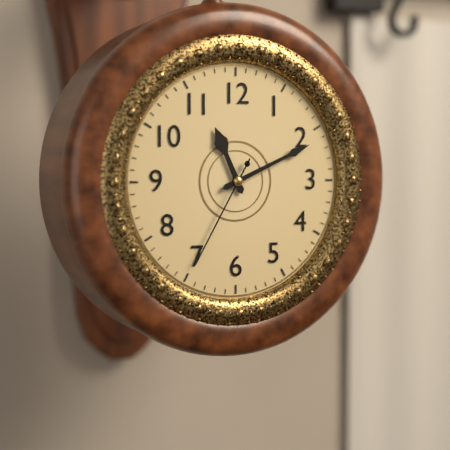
11:11:35
